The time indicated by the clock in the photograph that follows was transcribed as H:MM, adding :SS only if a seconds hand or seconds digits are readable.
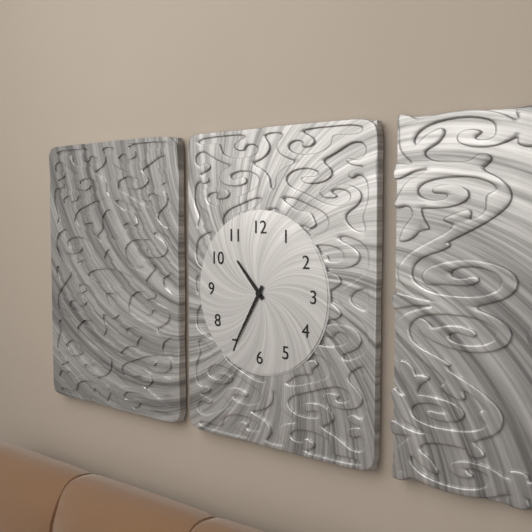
10:35
